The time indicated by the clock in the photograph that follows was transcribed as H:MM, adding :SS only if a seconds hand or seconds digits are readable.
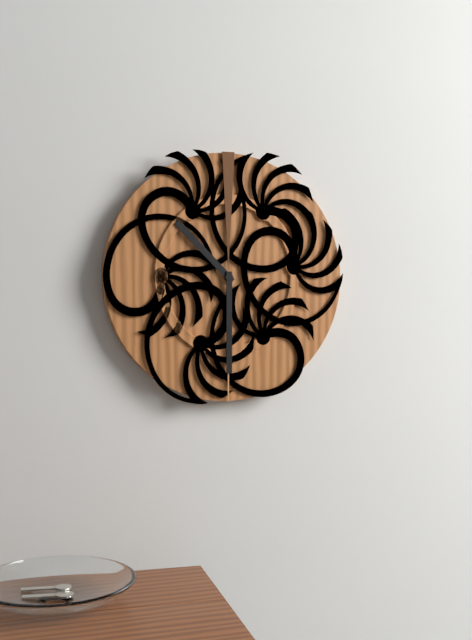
10:30
